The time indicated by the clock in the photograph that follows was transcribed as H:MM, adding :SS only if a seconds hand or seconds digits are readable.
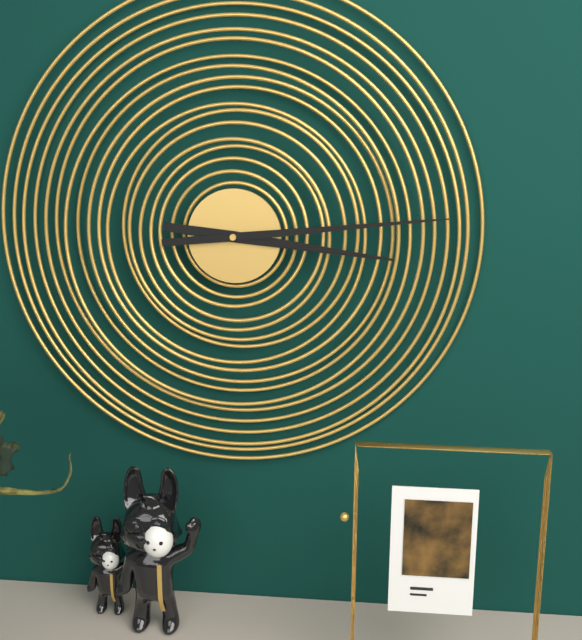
3:14
